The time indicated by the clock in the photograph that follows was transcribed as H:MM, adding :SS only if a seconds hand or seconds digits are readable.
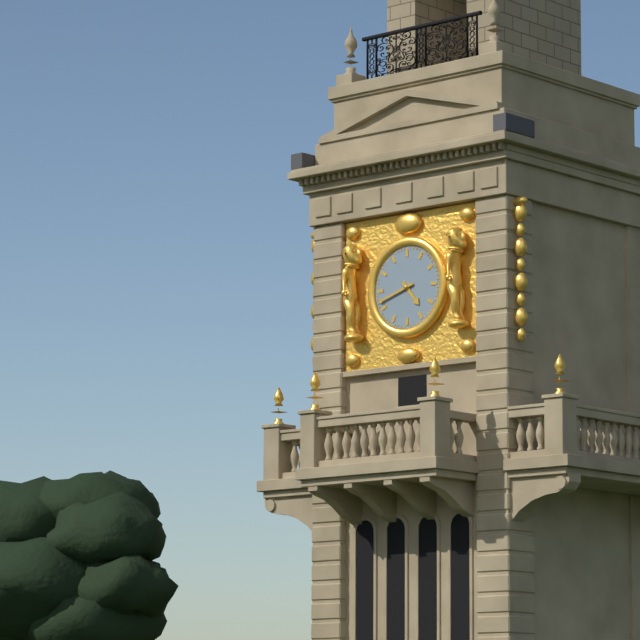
4:42
